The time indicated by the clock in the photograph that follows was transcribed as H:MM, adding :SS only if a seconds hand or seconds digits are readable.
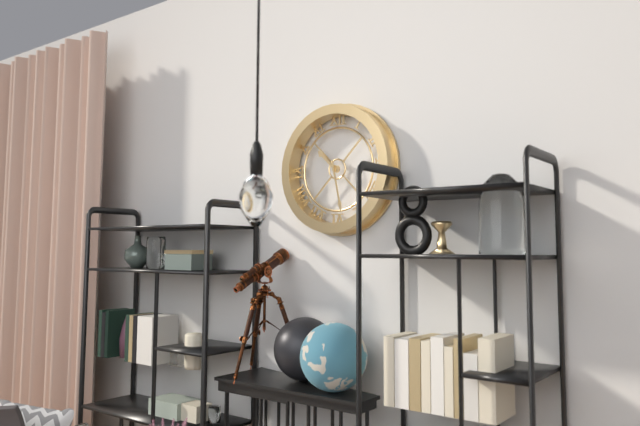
10:28
